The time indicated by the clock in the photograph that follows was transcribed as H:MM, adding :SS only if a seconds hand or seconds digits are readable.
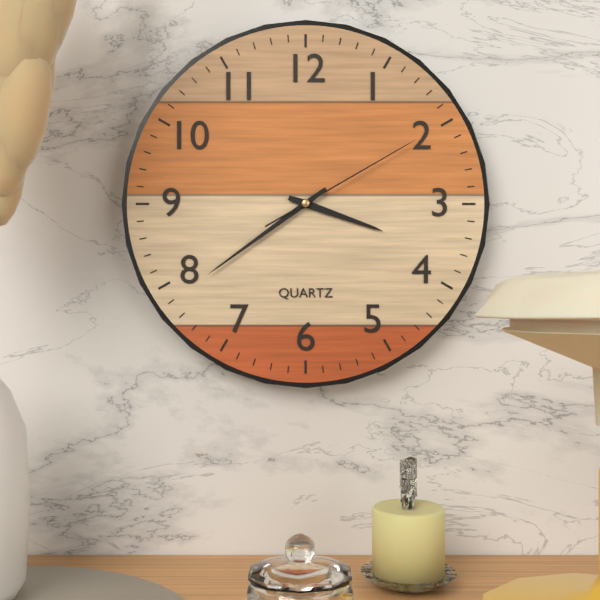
3:39:10
